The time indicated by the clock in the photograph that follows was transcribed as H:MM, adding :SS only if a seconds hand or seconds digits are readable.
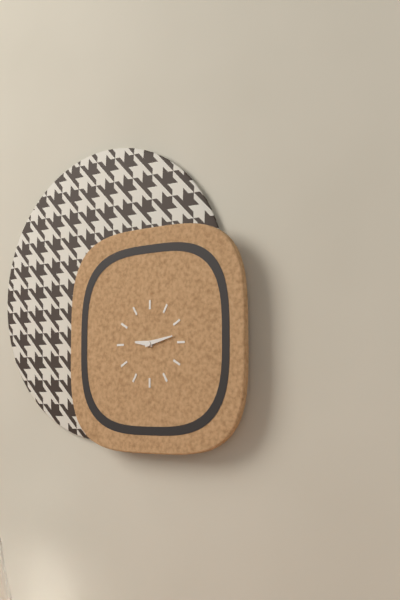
9:13
